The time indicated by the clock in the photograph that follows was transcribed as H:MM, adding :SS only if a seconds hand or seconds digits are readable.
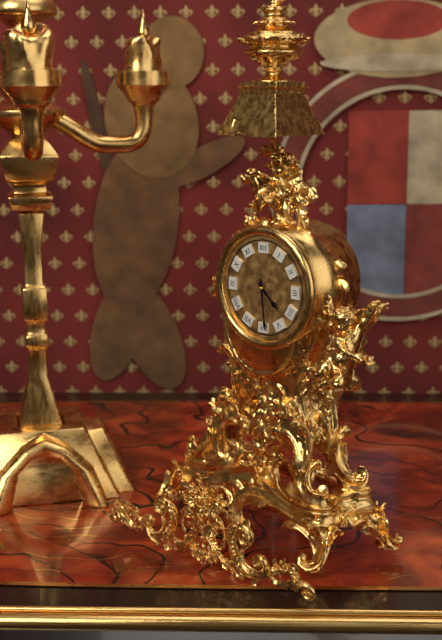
4:29
